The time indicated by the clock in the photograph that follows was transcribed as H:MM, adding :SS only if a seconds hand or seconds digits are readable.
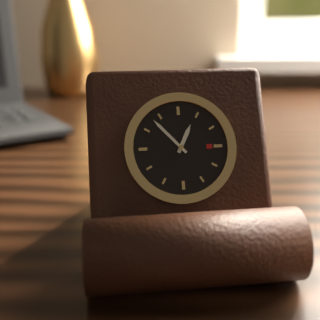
12:53
